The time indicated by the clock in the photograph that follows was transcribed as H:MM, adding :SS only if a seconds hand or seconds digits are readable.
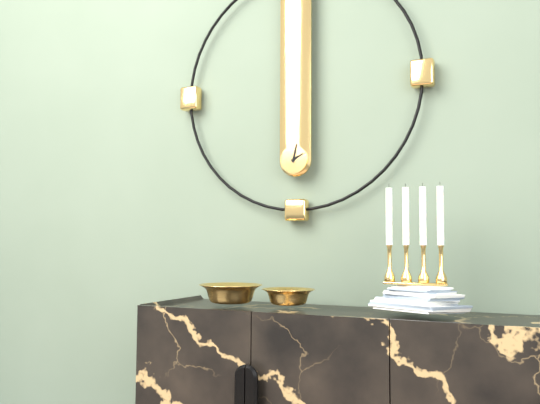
2:02
